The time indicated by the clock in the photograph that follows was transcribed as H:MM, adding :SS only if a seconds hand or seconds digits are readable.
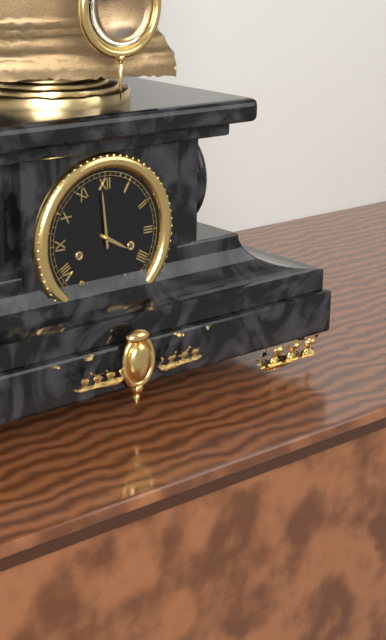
3:59
